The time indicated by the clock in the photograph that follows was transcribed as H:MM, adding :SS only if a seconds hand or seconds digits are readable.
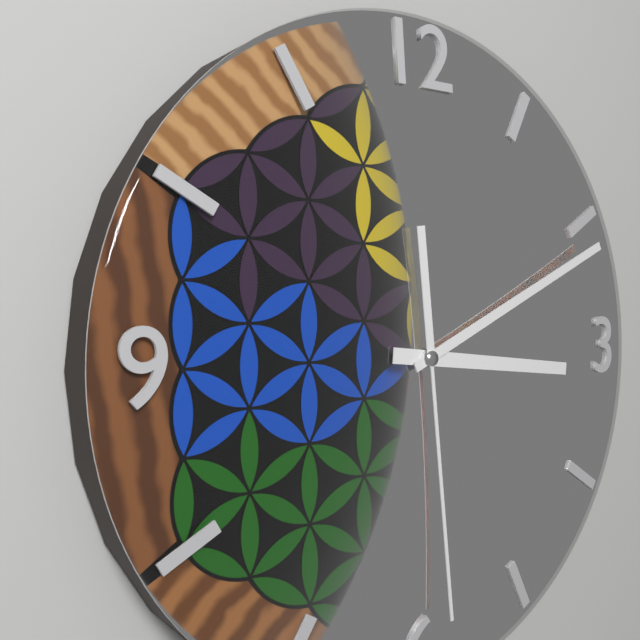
3:11:29
